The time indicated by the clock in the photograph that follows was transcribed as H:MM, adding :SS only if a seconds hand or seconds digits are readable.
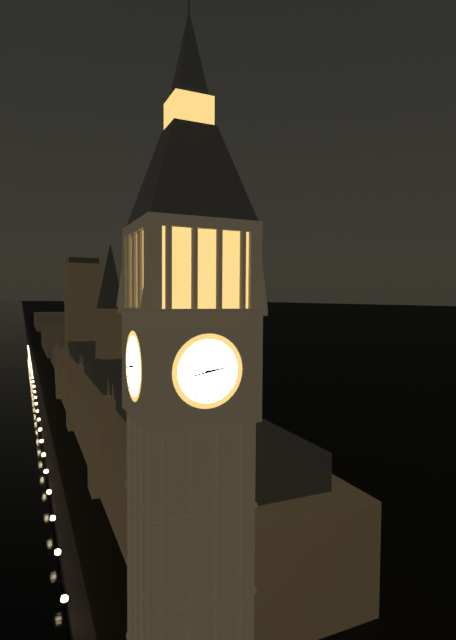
2:43
